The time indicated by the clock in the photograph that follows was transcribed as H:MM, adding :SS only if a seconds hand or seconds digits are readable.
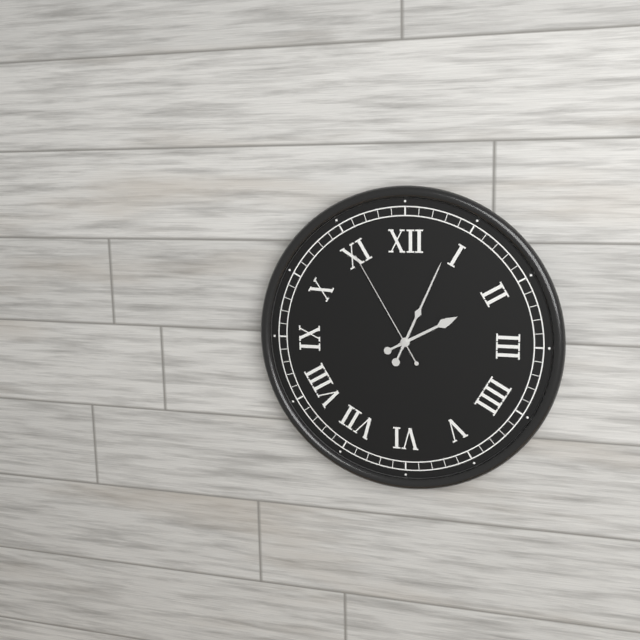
2:04:55
